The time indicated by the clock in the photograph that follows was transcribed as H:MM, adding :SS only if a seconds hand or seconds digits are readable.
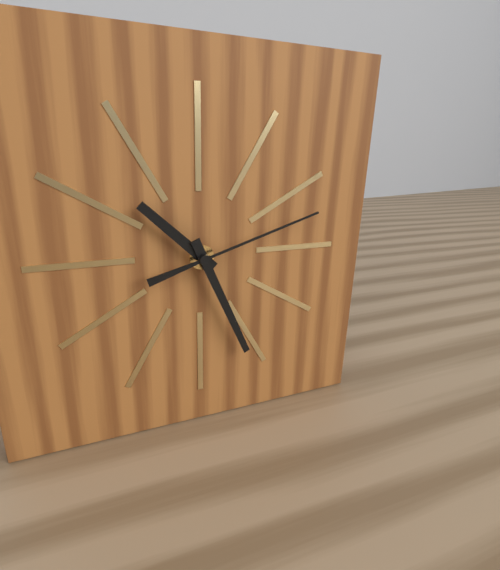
10:26:12
